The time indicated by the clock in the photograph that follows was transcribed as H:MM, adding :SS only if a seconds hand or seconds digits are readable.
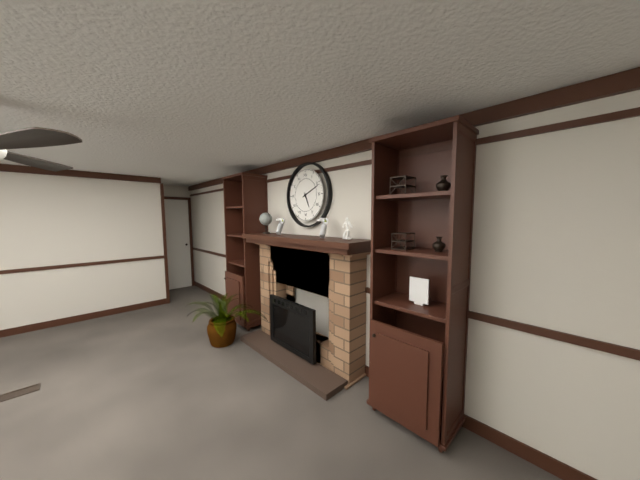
5:11
